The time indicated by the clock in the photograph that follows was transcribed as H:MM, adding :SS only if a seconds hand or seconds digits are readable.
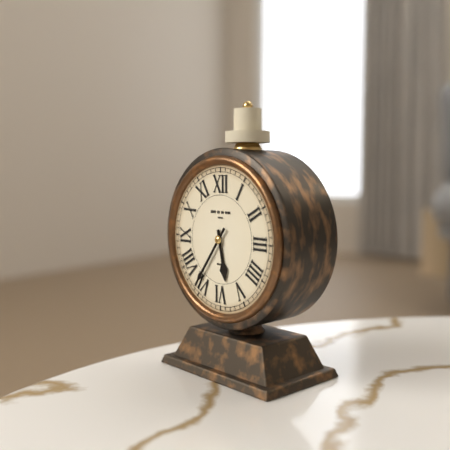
5:36
